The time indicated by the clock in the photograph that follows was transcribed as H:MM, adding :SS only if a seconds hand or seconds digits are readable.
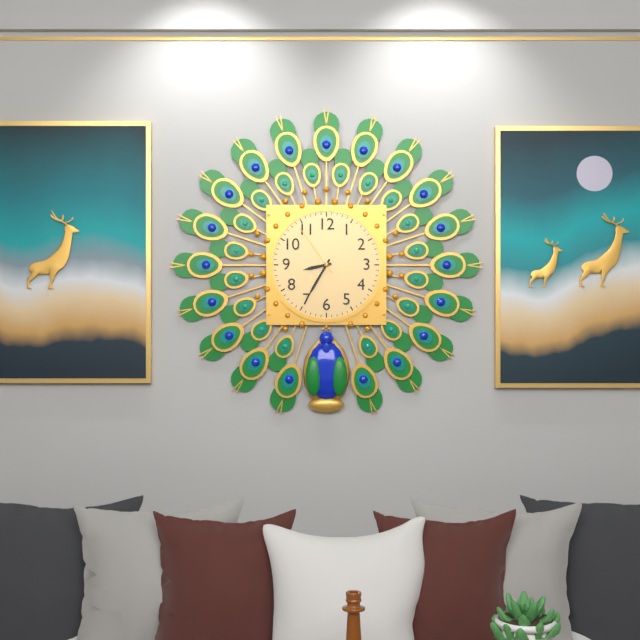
8:35:54
